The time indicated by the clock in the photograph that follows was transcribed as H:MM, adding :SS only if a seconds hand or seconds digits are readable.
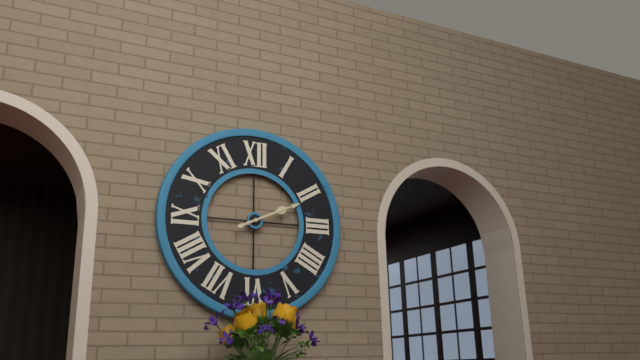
2:11
